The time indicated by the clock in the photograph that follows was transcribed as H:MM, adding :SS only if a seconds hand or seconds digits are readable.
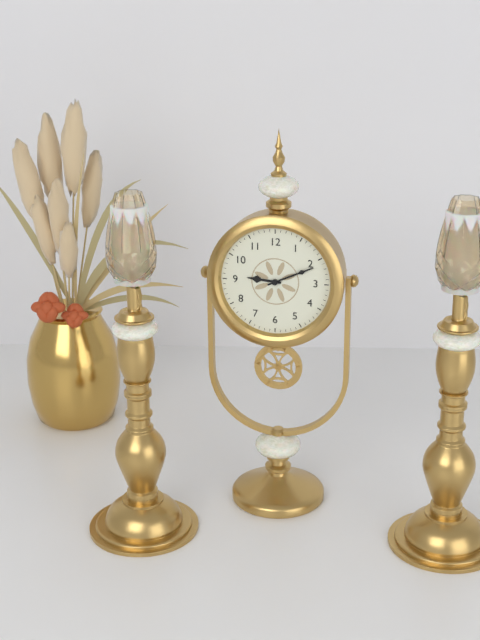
9:11
